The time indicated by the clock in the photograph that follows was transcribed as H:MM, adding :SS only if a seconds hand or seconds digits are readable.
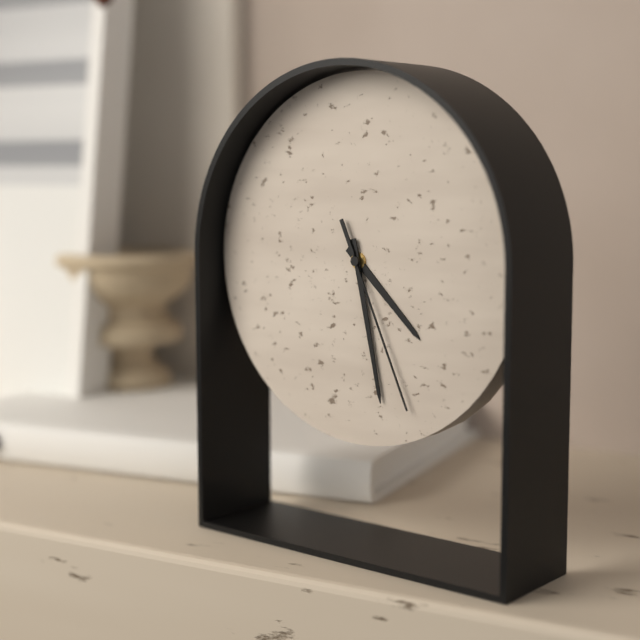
4:28:26
